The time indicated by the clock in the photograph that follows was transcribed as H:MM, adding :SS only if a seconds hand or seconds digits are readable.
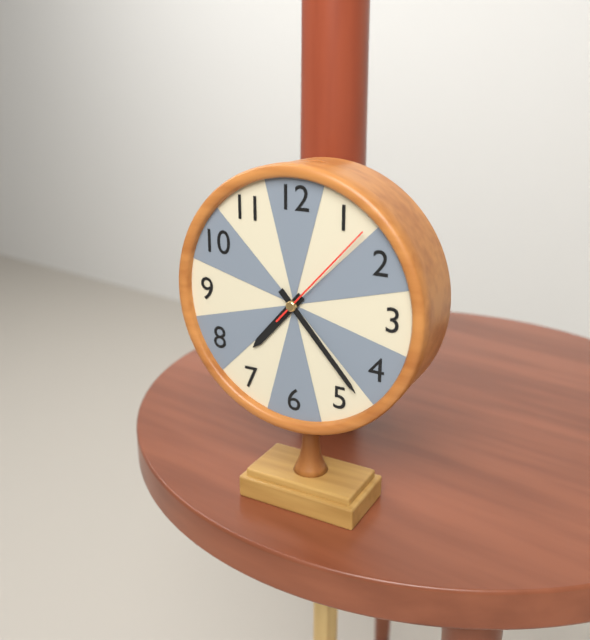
7:23:07
